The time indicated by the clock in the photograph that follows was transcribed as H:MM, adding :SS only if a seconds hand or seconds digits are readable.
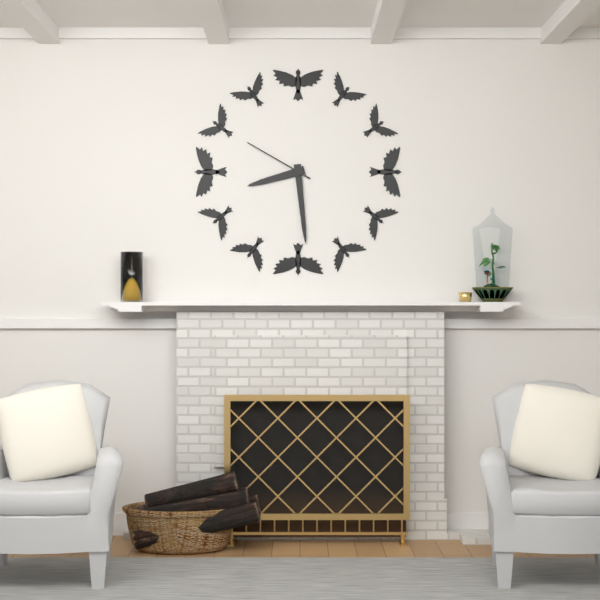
8:29:50
